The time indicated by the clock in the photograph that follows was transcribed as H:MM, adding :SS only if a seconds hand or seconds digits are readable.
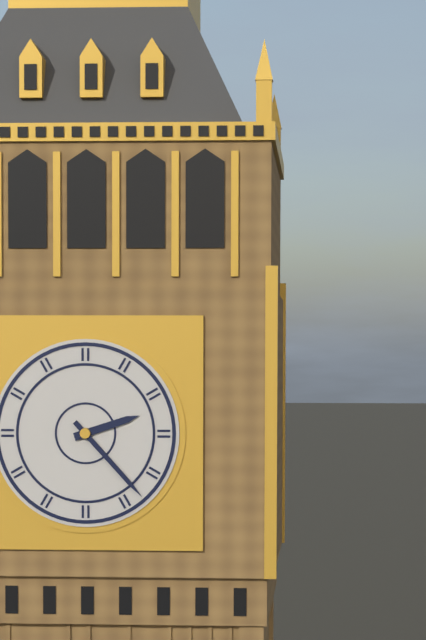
2:23
